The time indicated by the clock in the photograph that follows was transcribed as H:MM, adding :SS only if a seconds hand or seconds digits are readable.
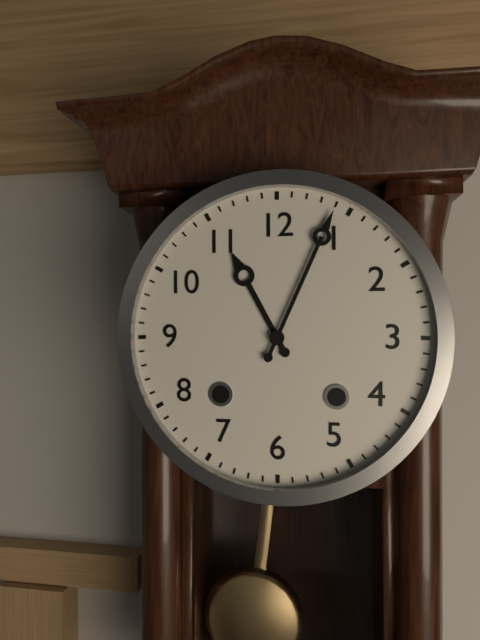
11:04
